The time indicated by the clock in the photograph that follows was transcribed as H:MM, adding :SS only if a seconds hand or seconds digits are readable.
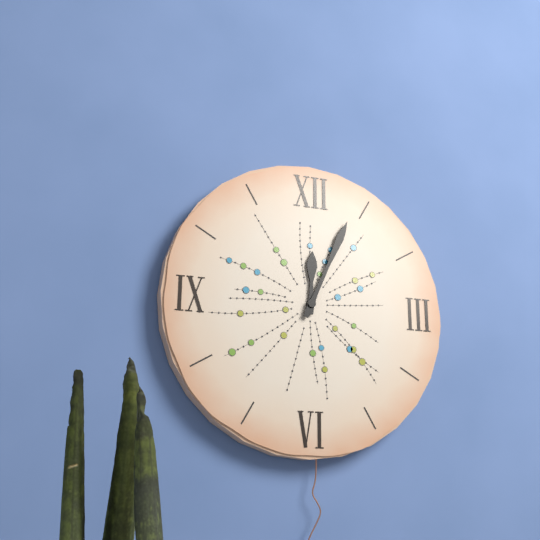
12:04
